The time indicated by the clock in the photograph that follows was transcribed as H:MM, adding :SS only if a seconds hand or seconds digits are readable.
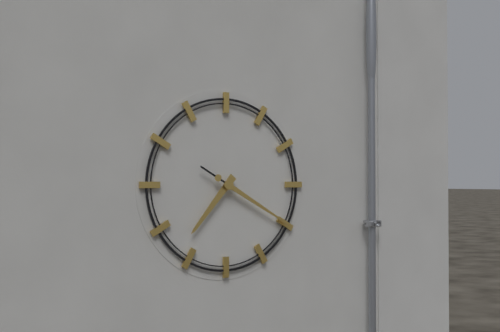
7:20
